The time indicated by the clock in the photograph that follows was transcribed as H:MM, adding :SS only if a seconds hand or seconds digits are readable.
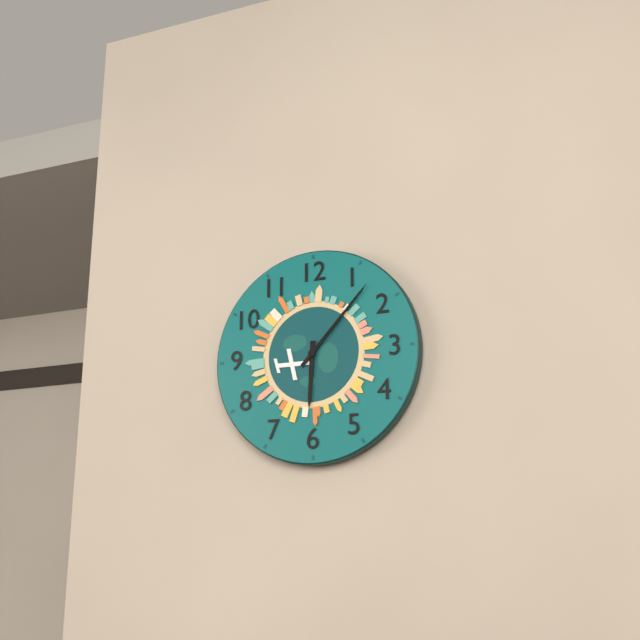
6:07
